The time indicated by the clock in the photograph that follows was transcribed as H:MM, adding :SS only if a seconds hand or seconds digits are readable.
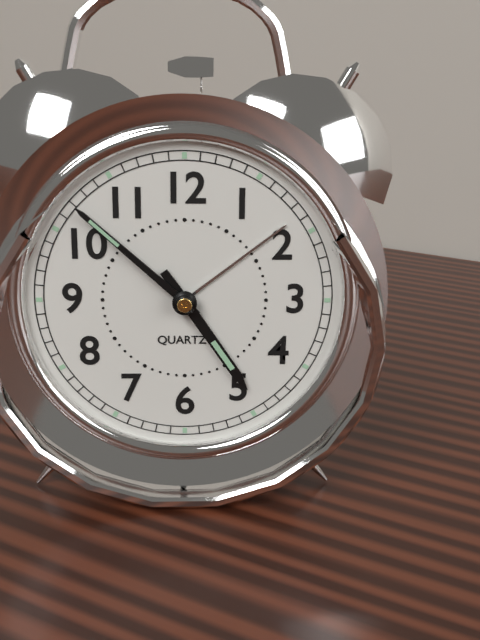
4:52
